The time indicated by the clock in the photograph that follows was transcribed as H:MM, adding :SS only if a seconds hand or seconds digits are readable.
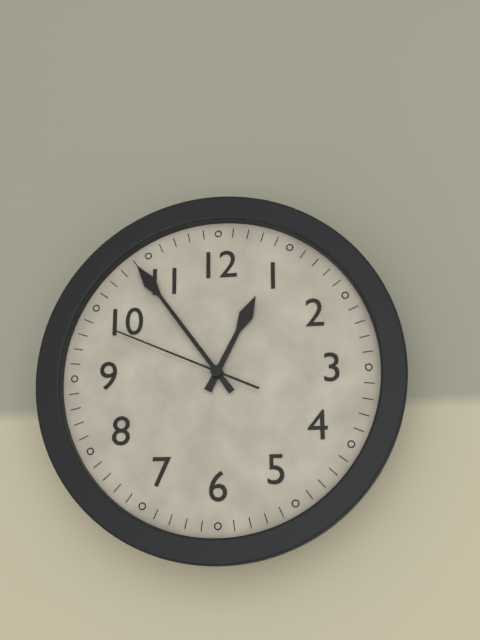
12:54:49
